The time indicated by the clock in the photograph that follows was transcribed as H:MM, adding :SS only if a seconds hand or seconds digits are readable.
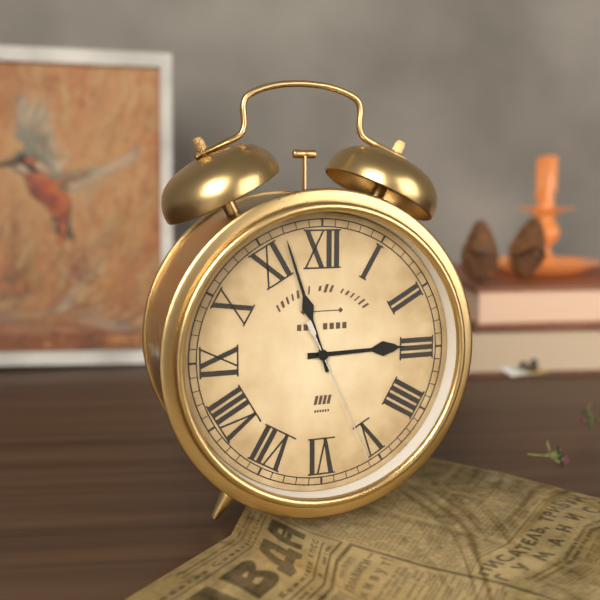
2:57:26
